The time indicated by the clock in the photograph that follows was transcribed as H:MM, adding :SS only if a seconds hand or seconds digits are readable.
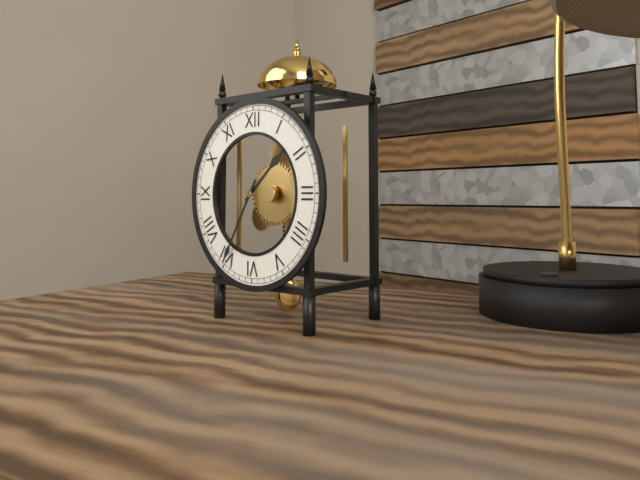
1:35
